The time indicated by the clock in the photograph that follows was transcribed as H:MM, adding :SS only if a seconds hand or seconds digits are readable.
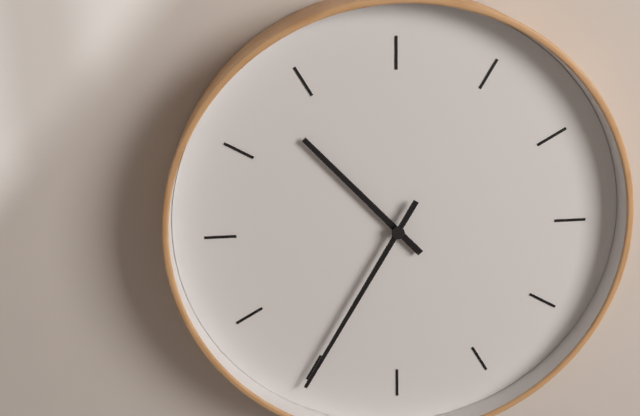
10:35
